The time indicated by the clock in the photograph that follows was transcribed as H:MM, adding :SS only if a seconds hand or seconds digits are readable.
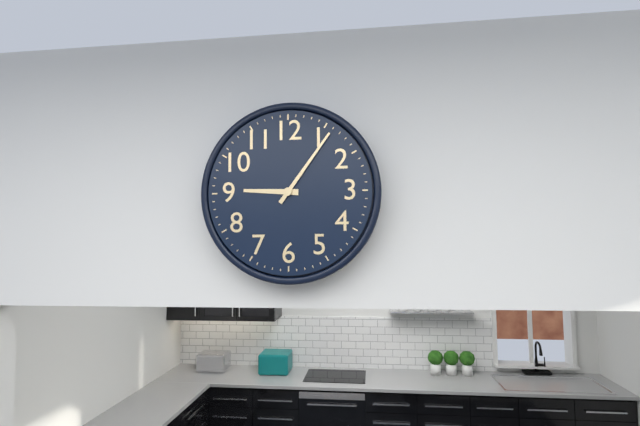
9:06
